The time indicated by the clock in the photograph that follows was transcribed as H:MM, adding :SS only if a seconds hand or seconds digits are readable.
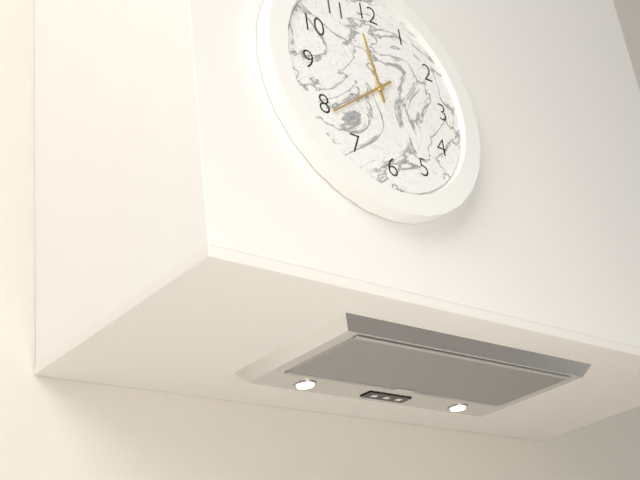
11:39
